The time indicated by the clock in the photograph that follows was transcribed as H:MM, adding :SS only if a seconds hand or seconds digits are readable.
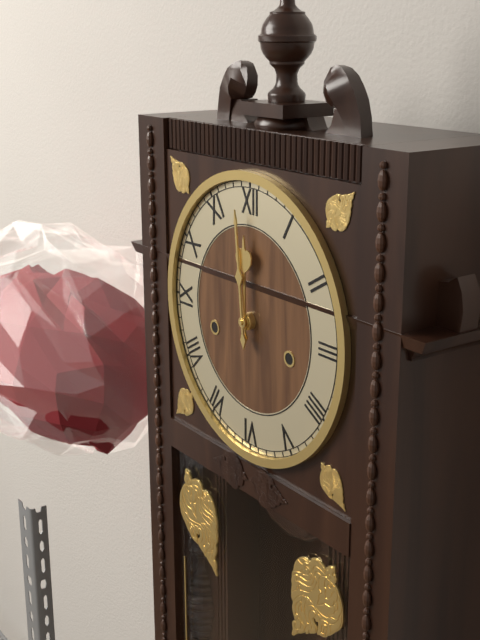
11:59
